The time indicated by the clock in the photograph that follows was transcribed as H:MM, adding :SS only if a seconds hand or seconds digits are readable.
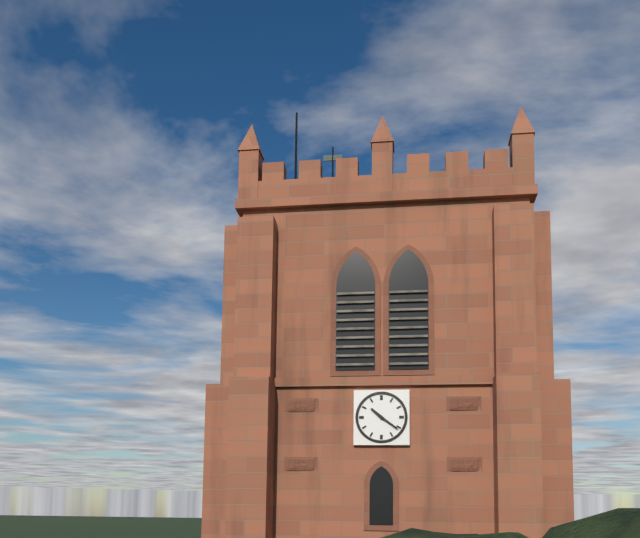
10:21
